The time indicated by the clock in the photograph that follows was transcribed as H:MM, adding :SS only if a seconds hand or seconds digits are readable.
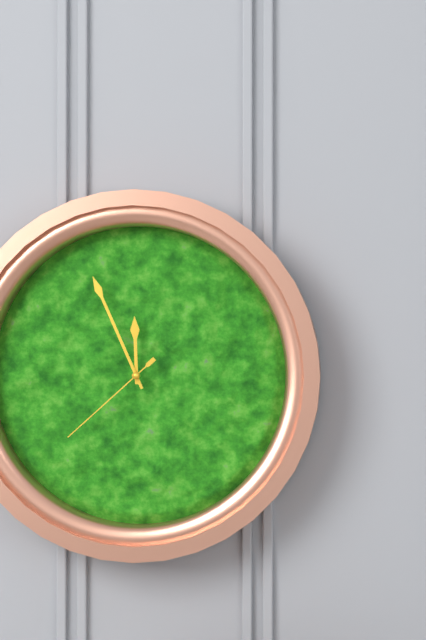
11:56:38
